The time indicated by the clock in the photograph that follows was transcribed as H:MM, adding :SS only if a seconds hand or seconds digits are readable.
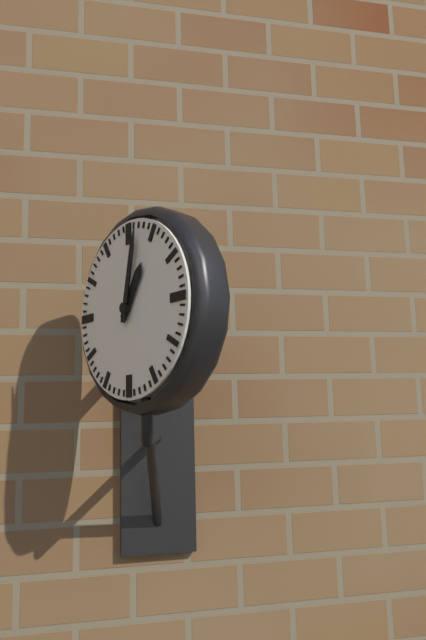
1:02
